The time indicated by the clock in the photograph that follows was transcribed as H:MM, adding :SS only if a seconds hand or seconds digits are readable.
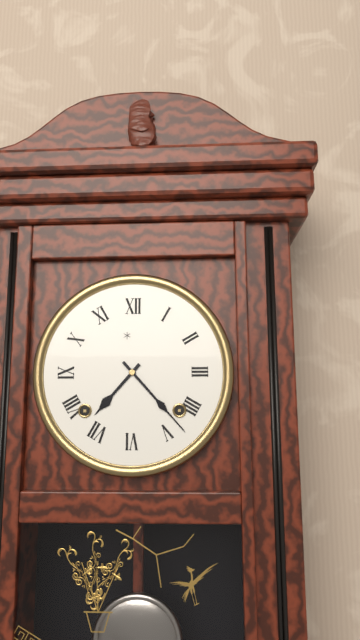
7:23
